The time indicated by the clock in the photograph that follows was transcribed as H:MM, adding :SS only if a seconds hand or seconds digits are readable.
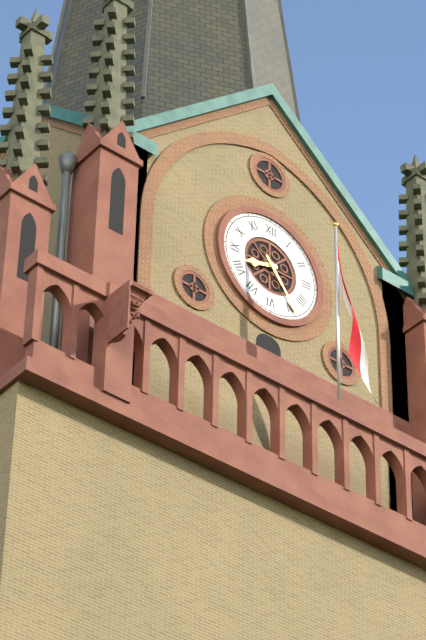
8:24
